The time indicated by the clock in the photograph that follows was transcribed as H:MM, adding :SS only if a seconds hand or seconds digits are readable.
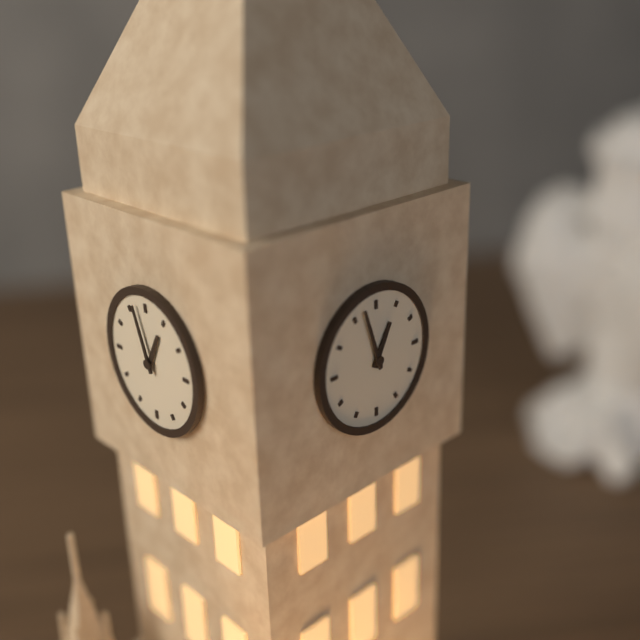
12:57
